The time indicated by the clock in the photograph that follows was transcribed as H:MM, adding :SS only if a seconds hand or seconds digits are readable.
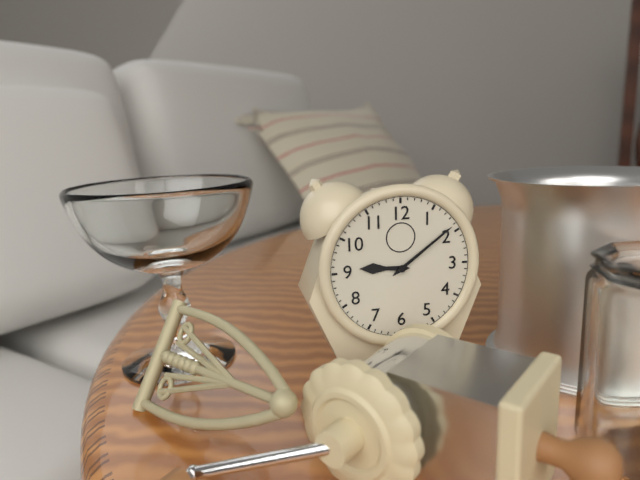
9:09
